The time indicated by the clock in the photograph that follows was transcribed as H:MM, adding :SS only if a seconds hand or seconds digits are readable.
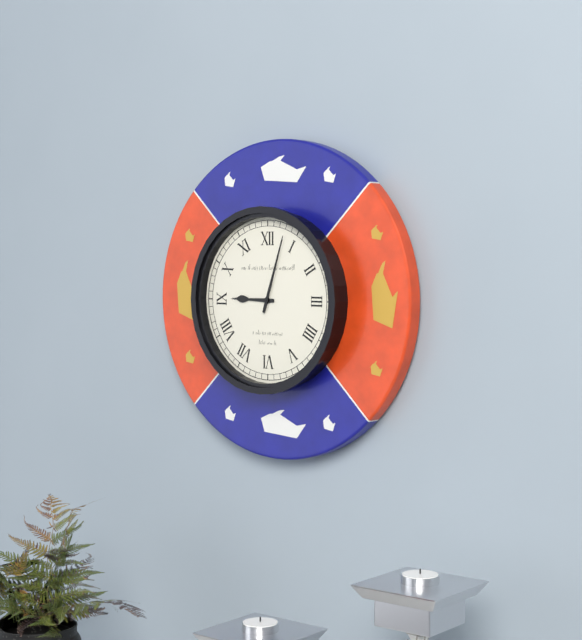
9:03
